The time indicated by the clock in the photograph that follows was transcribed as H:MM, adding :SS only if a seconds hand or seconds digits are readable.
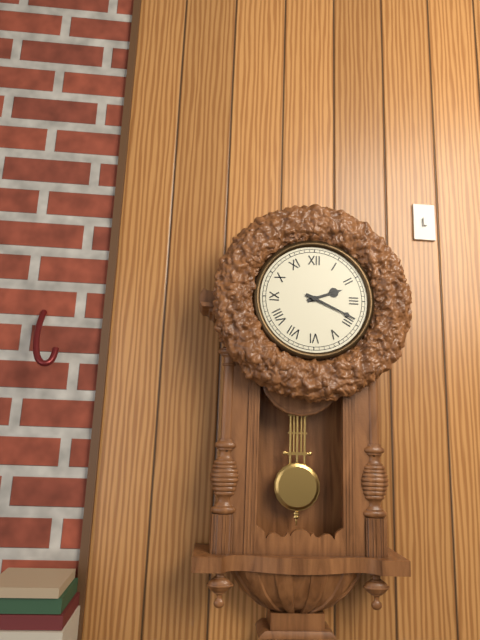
2:19
